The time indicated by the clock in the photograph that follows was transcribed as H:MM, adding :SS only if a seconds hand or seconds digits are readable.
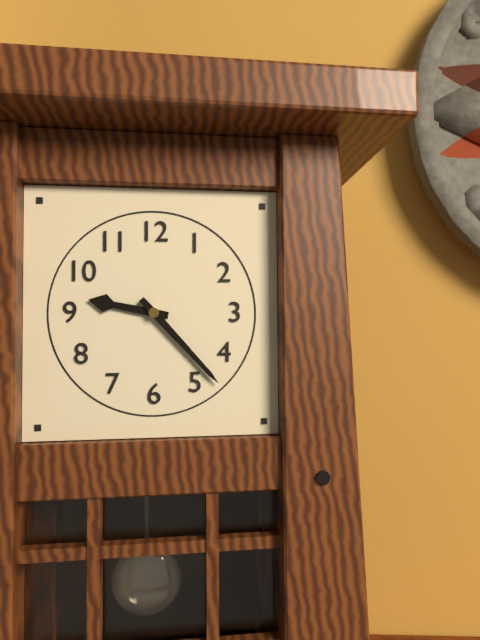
9:23
